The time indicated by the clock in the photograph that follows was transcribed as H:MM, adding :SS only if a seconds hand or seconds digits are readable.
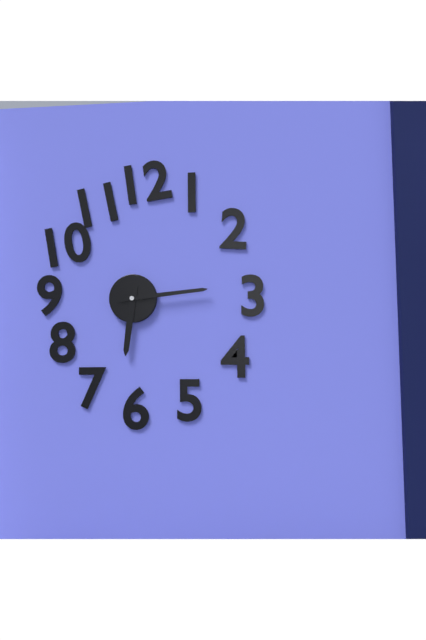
6:14
